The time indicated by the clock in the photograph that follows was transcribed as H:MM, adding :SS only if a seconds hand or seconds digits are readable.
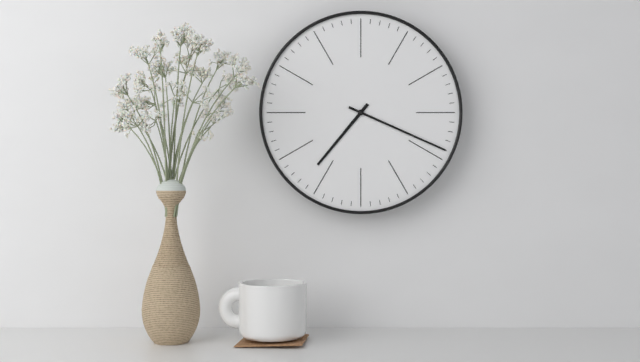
7:19
